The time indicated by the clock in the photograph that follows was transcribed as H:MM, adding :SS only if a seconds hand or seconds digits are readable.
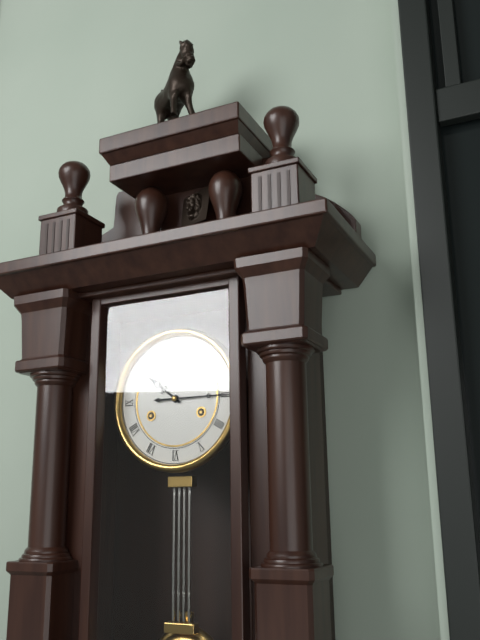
10:15
